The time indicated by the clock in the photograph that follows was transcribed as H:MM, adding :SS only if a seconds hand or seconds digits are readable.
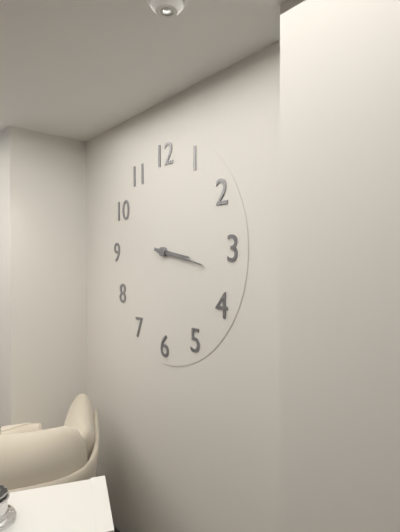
3:17
